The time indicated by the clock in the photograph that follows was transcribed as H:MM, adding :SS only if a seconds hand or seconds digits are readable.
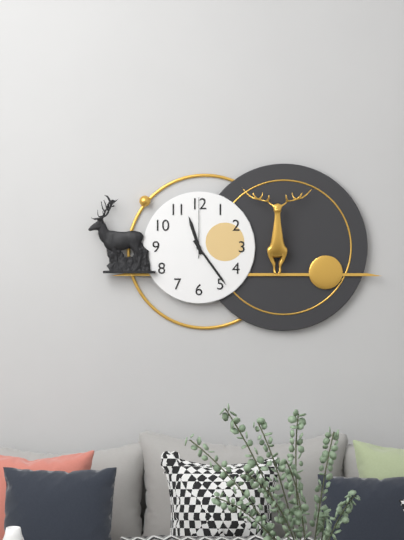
11:24:00
